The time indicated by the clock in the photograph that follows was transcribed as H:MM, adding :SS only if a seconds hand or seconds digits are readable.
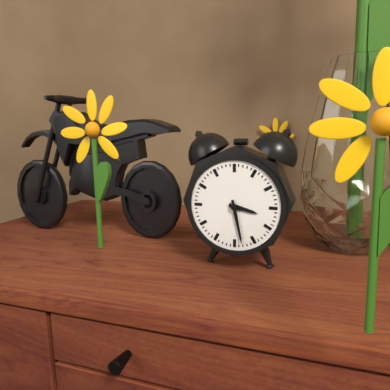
3:28
